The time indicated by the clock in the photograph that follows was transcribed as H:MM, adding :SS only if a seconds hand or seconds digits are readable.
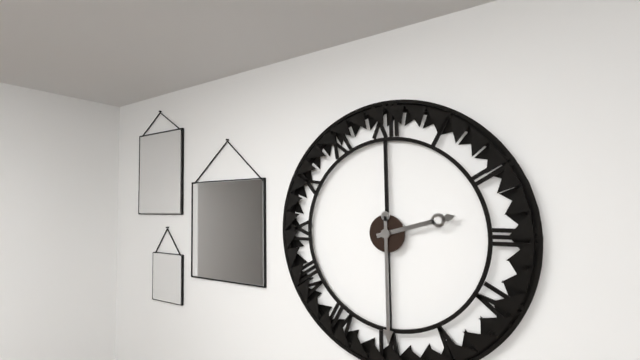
2:30
